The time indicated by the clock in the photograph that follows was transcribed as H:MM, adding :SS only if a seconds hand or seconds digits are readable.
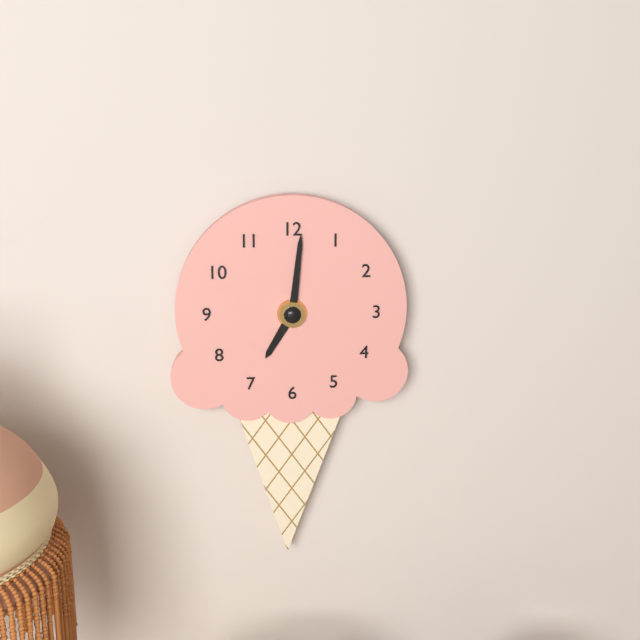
7:01
